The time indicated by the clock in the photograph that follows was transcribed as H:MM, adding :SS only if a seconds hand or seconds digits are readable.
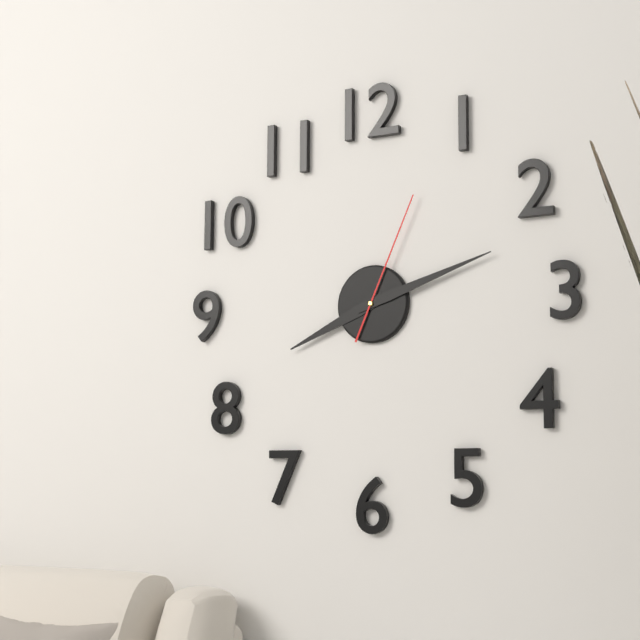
8:12:04
